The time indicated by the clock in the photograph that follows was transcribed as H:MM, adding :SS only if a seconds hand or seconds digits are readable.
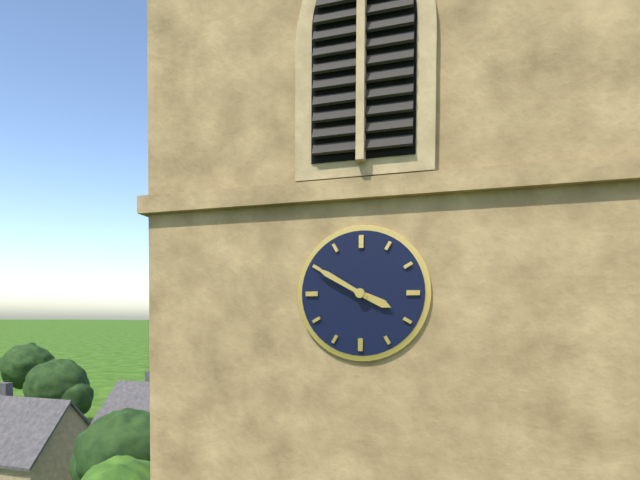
3:50
